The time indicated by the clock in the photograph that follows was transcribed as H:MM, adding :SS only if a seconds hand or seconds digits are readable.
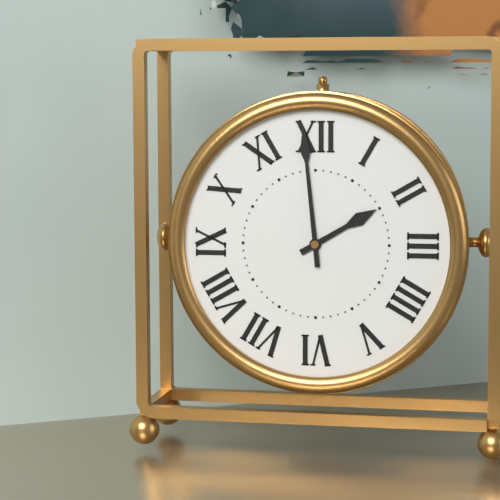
1:59
